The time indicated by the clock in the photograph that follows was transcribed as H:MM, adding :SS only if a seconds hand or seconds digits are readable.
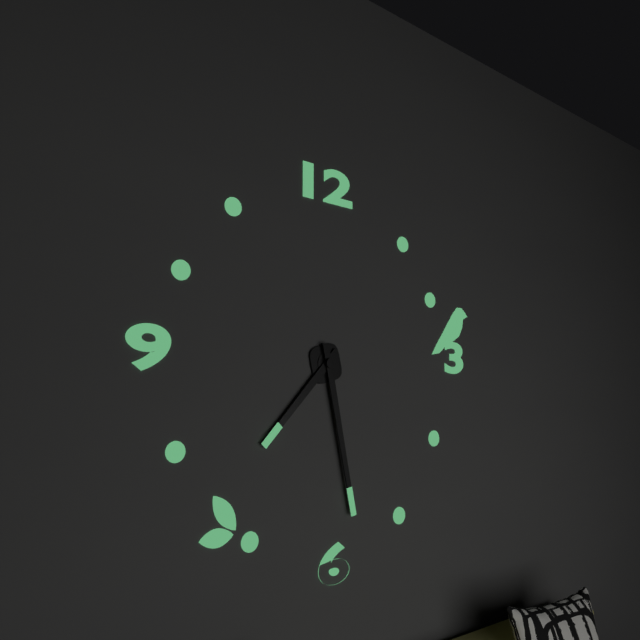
7:28
